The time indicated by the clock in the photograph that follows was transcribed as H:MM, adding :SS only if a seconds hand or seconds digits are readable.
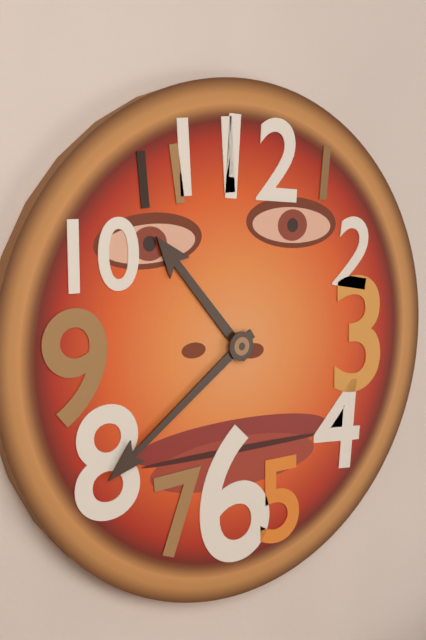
10:39
